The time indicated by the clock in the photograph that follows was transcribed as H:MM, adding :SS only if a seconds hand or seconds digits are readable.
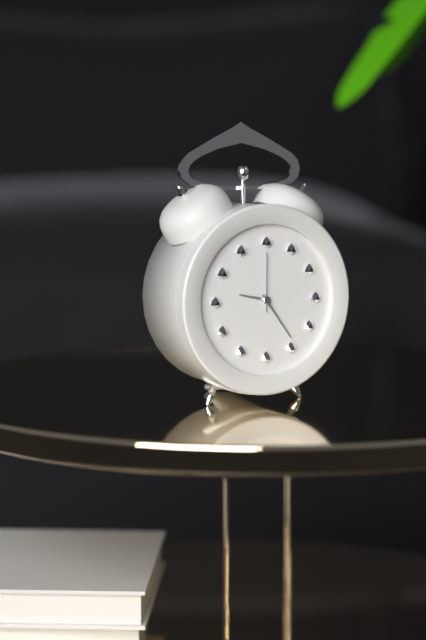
9:24:00
